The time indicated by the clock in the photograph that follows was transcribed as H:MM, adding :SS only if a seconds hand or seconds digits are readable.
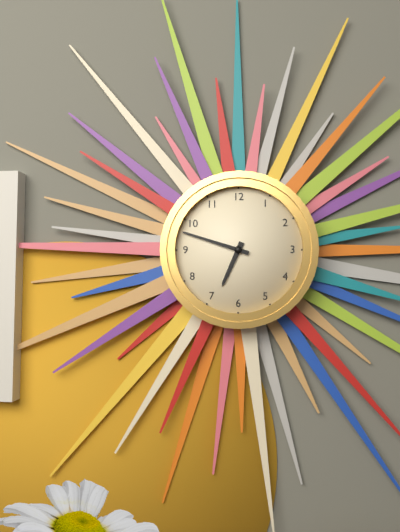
6:48
